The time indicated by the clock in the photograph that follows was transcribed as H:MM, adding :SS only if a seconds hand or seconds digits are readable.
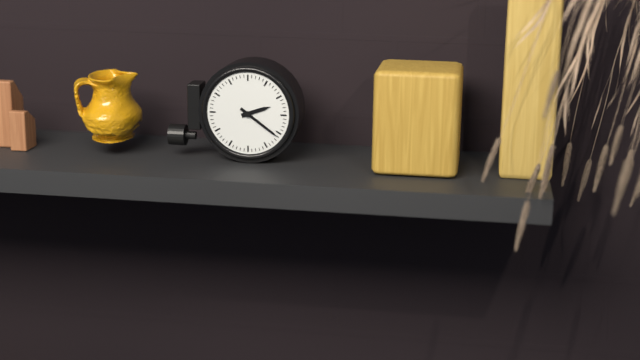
2:21
